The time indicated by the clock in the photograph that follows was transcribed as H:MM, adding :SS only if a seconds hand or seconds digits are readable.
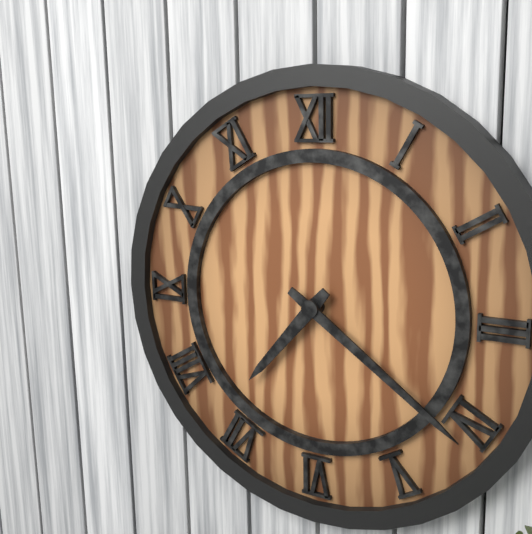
7:21
